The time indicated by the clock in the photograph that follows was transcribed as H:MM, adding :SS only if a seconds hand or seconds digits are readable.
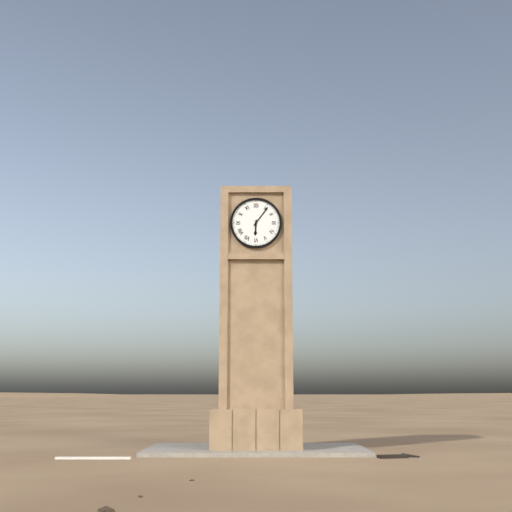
6:06
